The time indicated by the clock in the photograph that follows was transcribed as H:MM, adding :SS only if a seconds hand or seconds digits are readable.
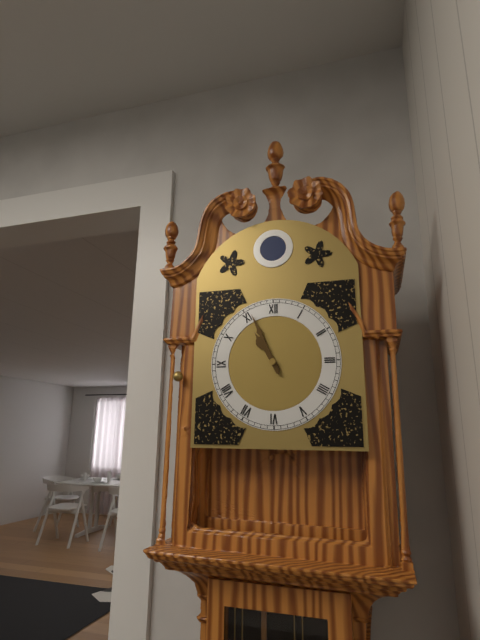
10:56
